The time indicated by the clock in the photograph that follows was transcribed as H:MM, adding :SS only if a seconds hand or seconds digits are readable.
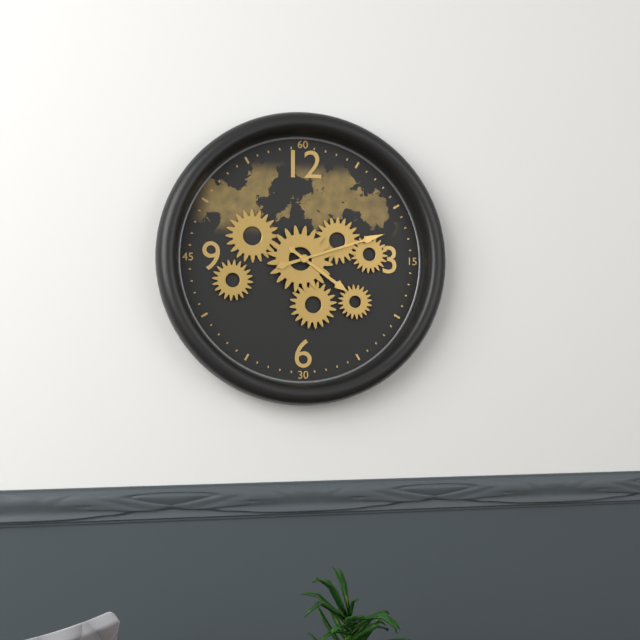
4:12
